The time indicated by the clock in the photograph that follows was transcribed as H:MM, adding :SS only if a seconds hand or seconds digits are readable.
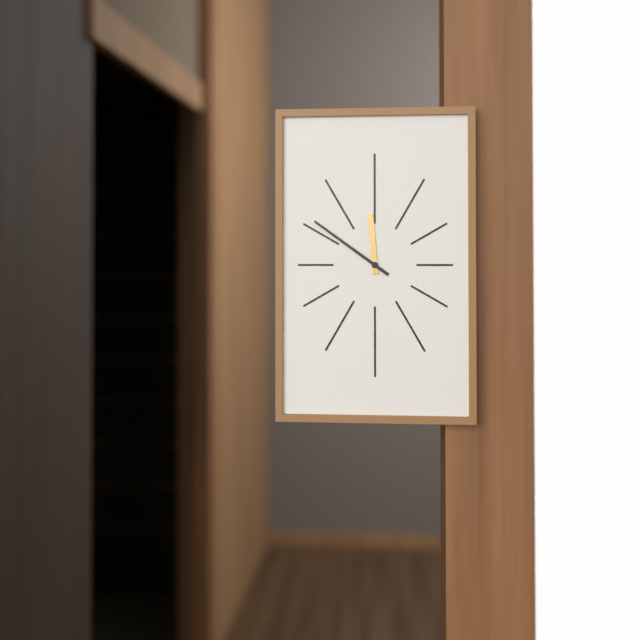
11:51
